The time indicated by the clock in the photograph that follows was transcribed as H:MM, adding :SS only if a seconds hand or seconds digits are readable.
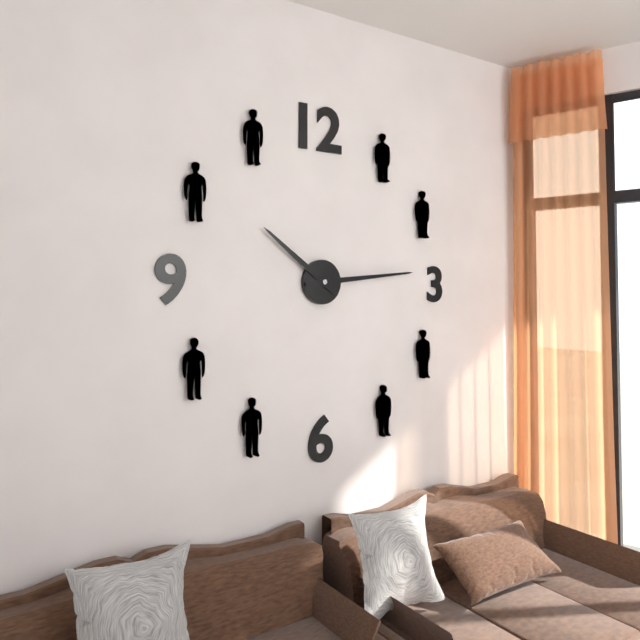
10:14
